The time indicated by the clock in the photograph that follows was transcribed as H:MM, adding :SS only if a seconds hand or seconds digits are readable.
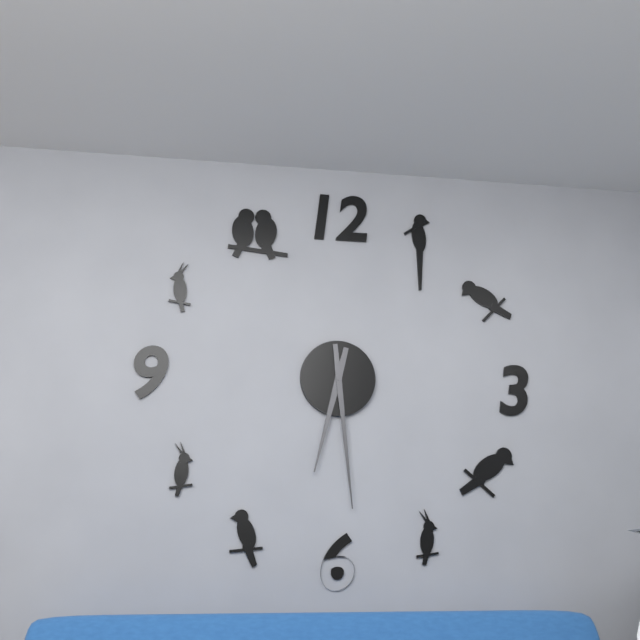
6:29
